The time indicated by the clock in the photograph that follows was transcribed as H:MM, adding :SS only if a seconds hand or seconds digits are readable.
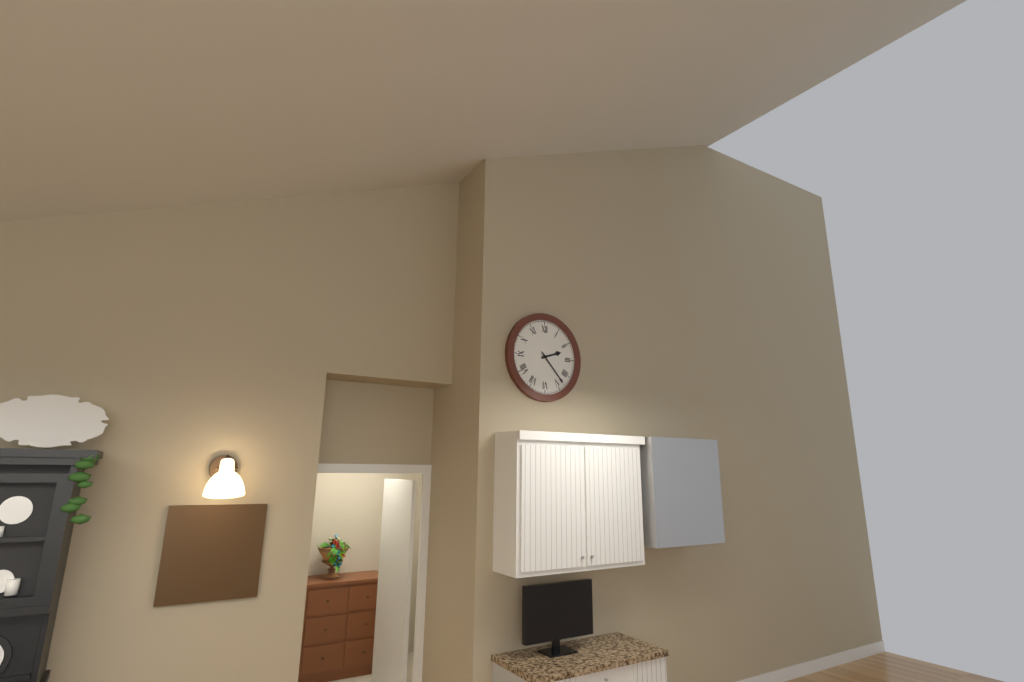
2:23
